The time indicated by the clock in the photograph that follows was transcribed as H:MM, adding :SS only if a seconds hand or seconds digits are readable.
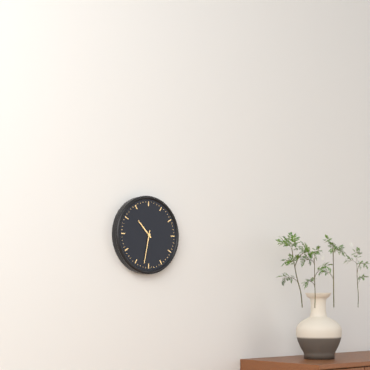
10:32
